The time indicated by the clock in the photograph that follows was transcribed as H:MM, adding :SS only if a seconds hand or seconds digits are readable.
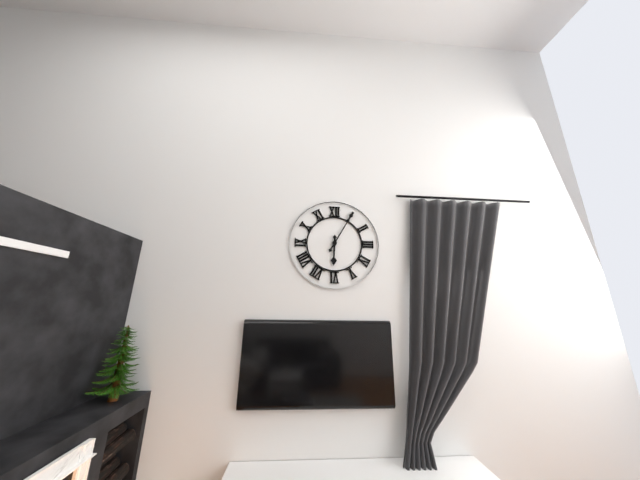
6:05
